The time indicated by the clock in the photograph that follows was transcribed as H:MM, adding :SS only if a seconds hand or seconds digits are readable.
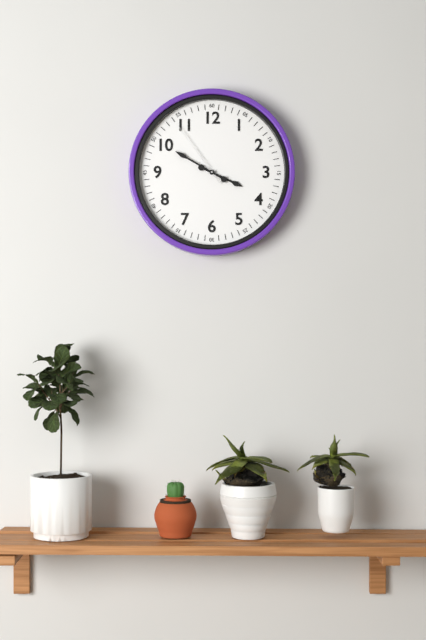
3:50:54
